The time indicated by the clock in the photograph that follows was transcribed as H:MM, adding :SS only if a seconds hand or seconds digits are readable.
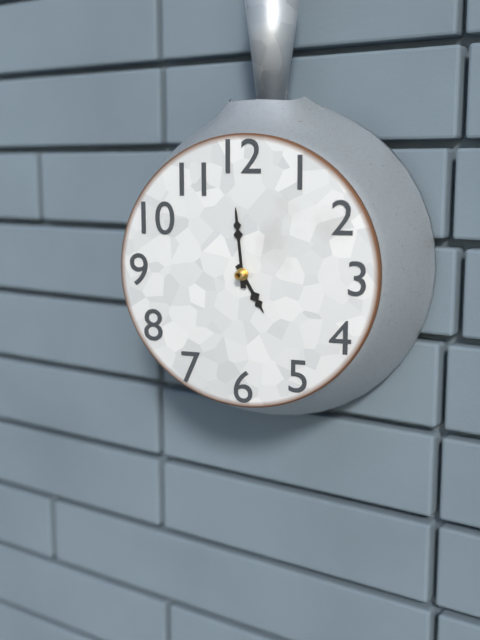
4:59
